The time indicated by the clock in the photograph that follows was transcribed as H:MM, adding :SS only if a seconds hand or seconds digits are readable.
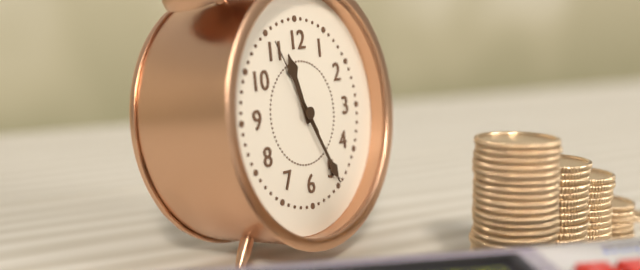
11:25:55
